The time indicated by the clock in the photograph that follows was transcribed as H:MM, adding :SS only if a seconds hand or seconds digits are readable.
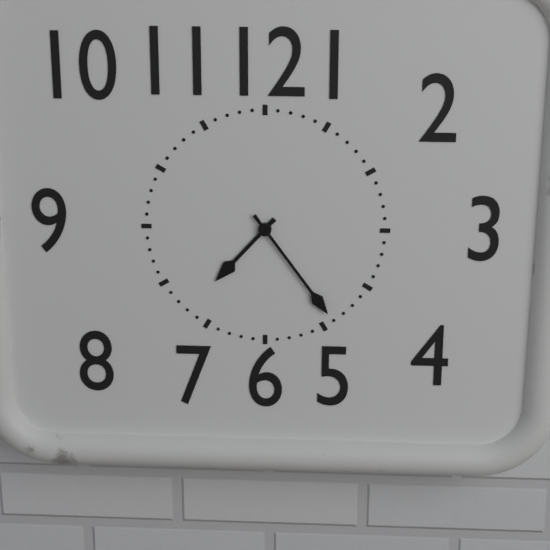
7:24
